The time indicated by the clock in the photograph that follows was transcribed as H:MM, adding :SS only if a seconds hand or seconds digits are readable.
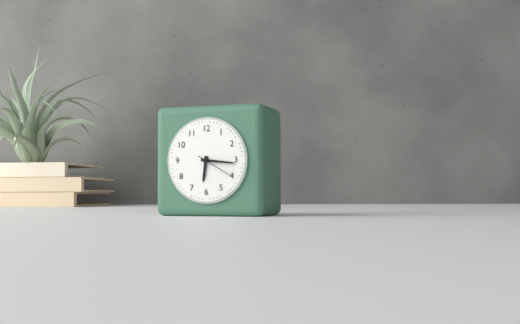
6:16
